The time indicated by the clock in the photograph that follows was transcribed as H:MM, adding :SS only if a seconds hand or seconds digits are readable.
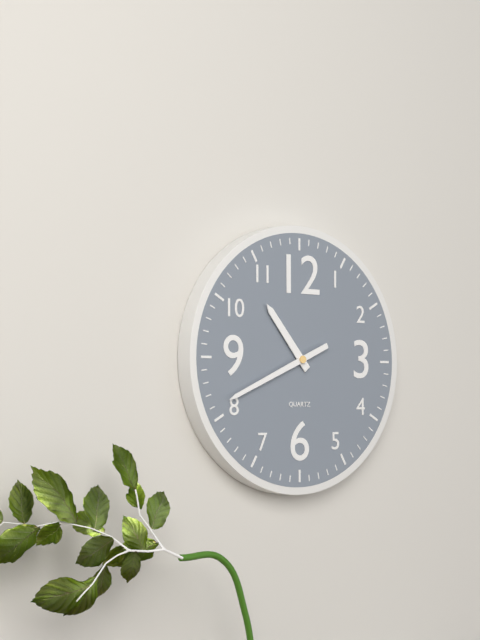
10:41
